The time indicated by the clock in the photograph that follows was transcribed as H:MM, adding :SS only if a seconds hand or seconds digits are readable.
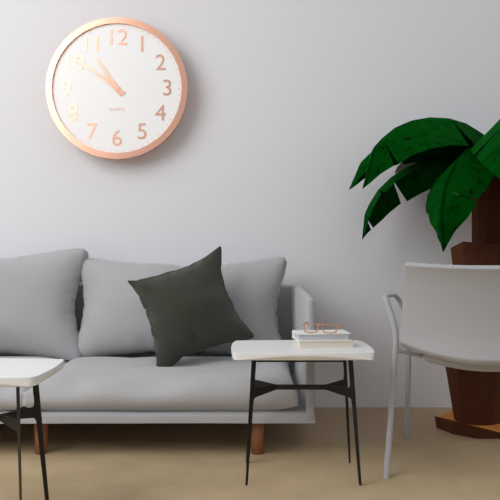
10:51
